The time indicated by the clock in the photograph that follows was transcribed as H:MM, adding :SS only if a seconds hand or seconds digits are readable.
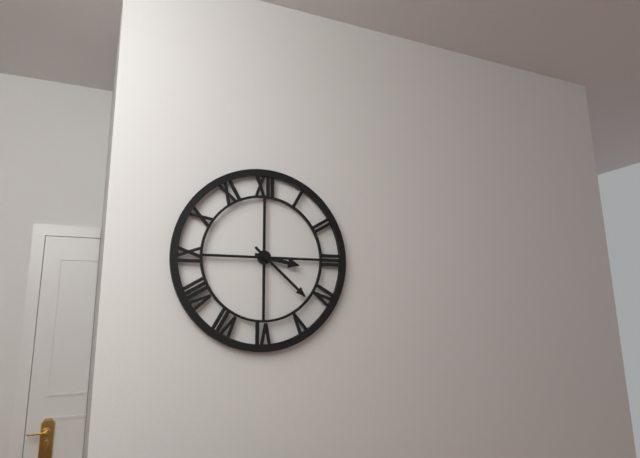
3:22
